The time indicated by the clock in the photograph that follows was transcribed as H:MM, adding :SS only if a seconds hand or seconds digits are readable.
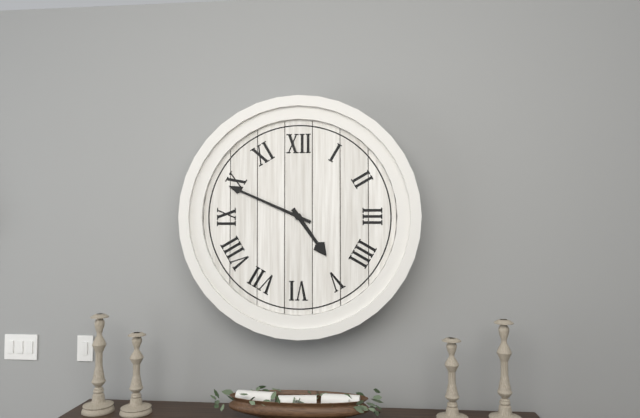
4:49
